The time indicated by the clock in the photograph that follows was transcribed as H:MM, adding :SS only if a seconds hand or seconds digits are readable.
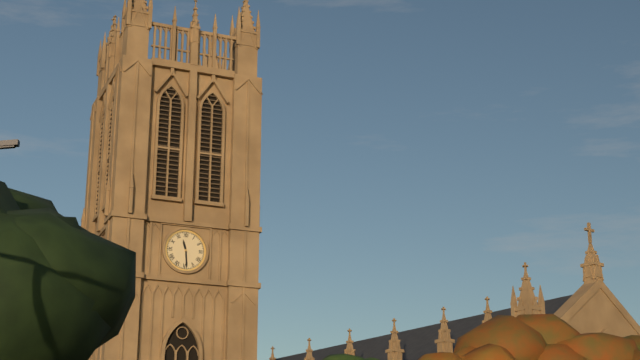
11:29
